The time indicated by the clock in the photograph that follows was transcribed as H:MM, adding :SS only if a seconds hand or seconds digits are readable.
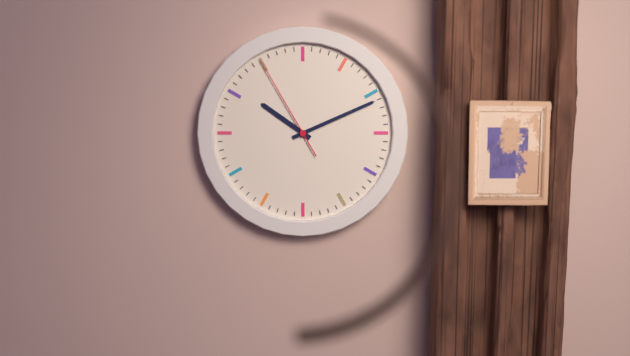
10:11:55
